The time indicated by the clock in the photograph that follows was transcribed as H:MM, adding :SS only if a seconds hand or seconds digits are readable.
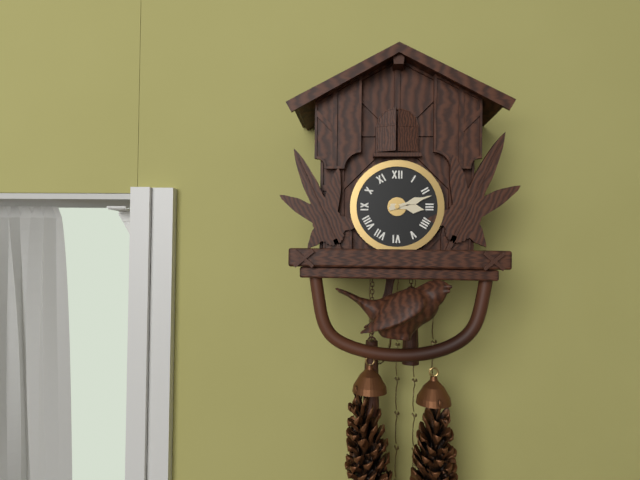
3:12
